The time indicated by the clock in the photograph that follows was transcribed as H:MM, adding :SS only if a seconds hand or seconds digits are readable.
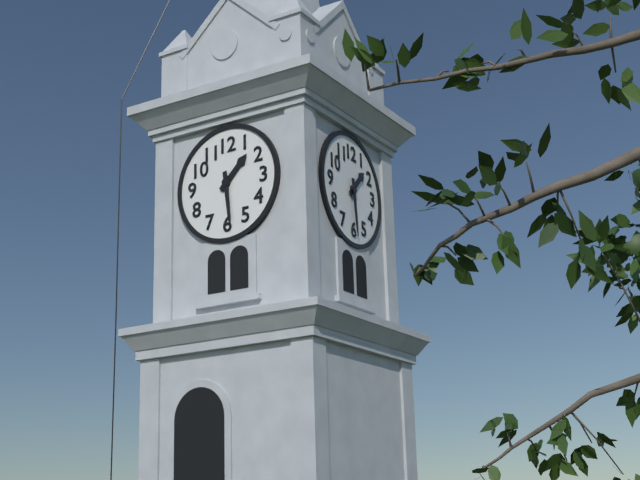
1:29
